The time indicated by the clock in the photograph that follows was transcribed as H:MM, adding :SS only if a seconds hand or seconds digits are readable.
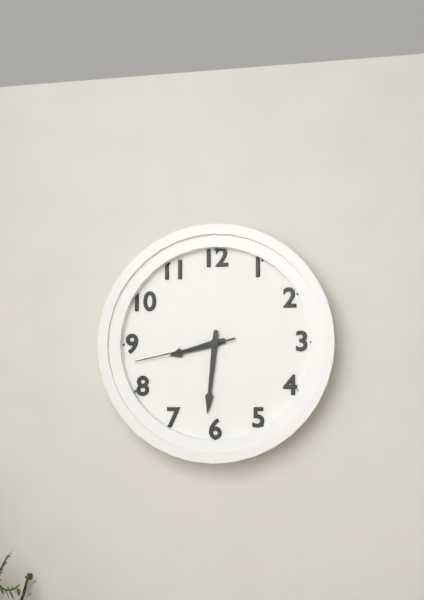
8:31:43
